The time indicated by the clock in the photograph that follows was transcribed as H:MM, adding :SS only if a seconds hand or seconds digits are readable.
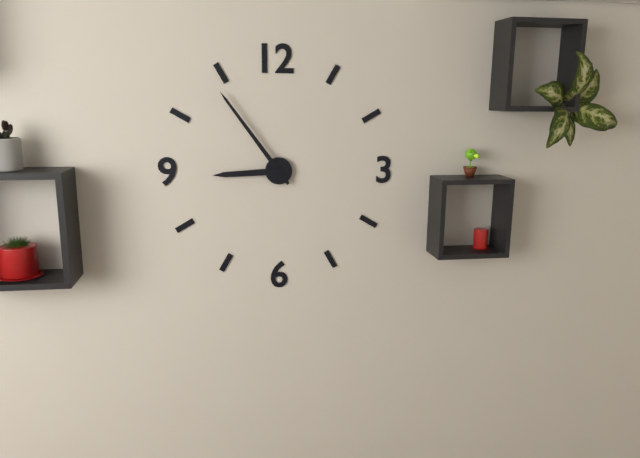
8:54
